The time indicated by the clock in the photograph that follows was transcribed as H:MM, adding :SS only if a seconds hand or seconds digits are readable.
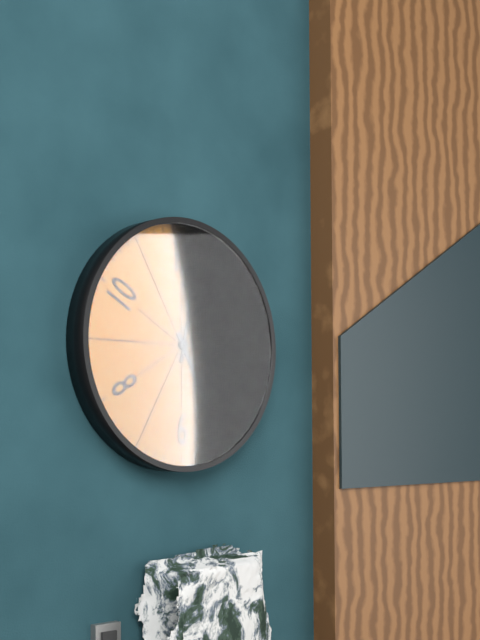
5:02
